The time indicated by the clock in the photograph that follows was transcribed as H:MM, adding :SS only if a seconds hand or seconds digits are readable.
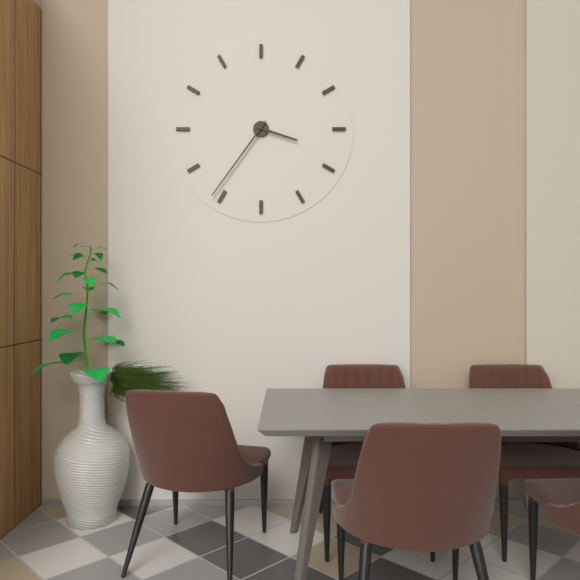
3:36
